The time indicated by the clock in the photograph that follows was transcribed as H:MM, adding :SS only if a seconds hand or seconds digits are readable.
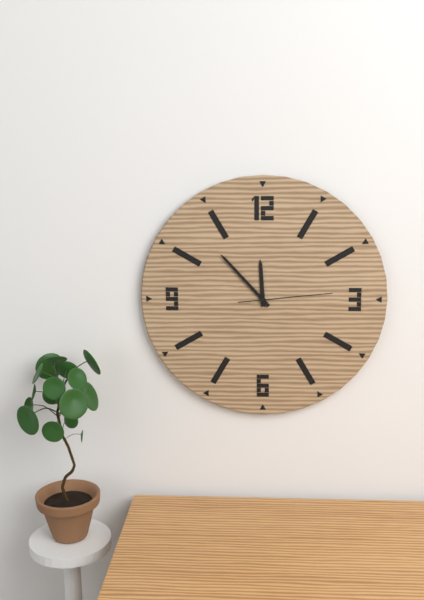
11:53:14
